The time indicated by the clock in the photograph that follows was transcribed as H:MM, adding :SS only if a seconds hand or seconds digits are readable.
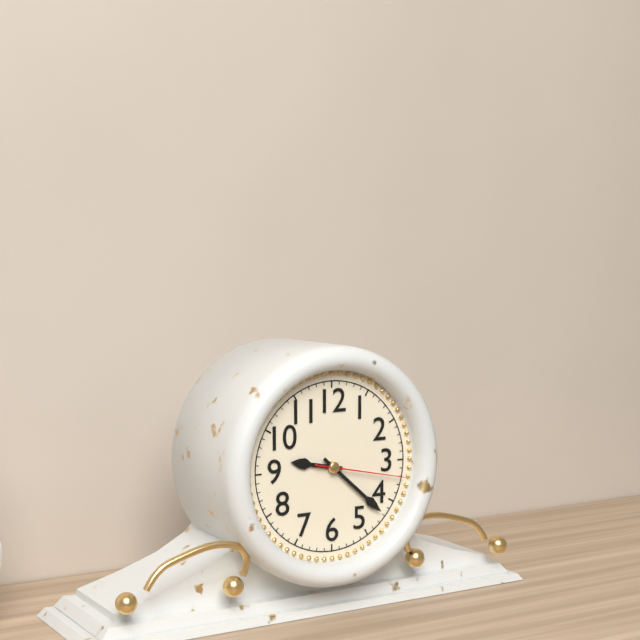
9:22:17
